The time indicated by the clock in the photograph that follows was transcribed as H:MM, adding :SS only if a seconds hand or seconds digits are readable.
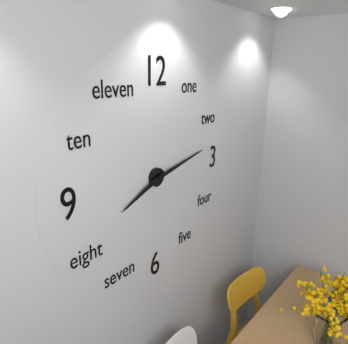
8:13
